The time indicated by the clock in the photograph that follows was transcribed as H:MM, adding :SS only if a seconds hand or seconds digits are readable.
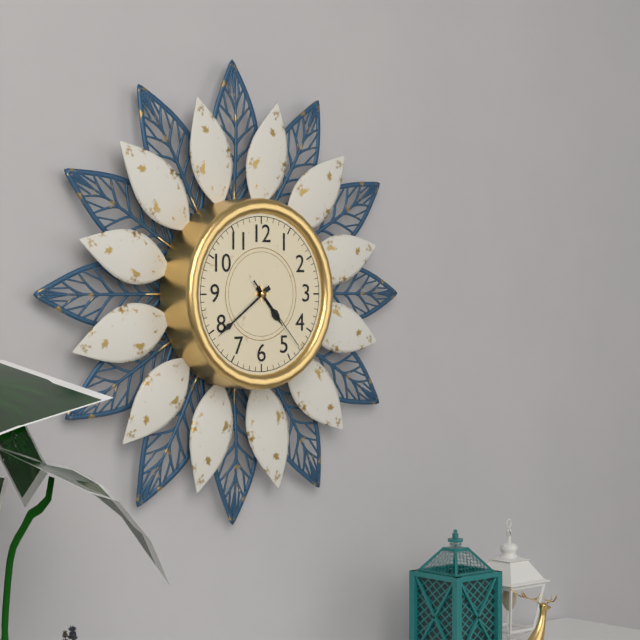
4:39:23
